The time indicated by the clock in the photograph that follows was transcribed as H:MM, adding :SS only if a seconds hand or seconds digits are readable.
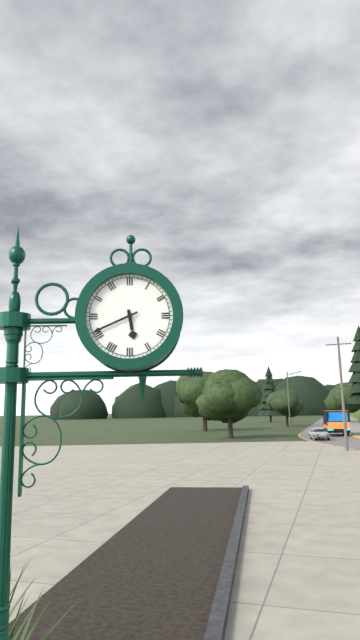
5:41
